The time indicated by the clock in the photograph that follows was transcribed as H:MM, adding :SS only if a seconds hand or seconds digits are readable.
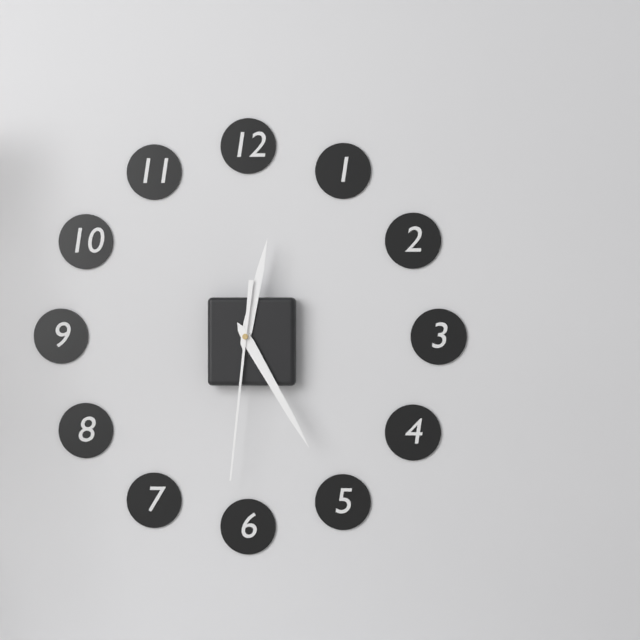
12:25:31
